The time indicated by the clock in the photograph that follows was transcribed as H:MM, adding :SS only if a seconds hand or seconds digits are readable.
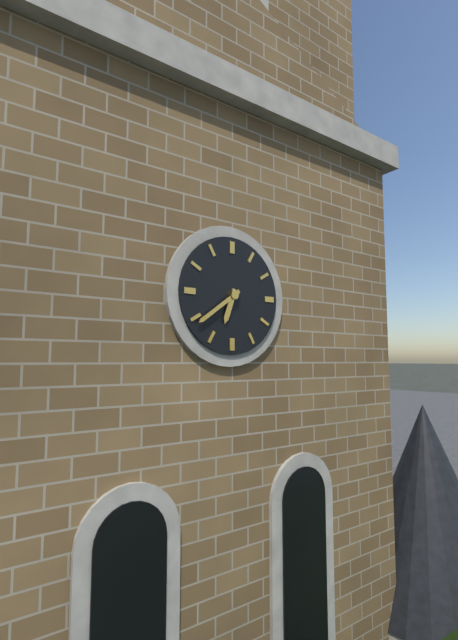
6:39
